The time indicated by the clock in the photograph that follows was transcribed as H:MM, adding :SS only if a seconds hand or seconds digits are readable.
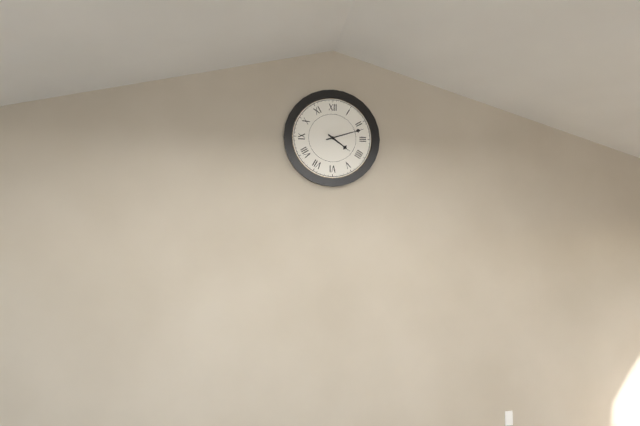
4:12
